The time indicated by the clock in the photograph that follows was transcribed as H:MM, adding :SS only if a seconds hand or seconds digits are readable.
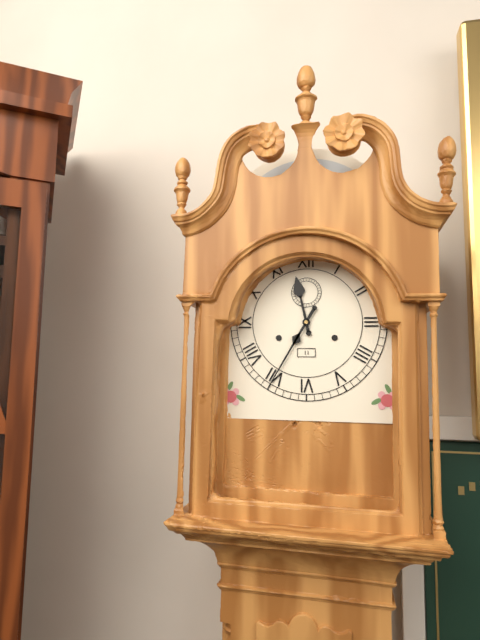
11:35
